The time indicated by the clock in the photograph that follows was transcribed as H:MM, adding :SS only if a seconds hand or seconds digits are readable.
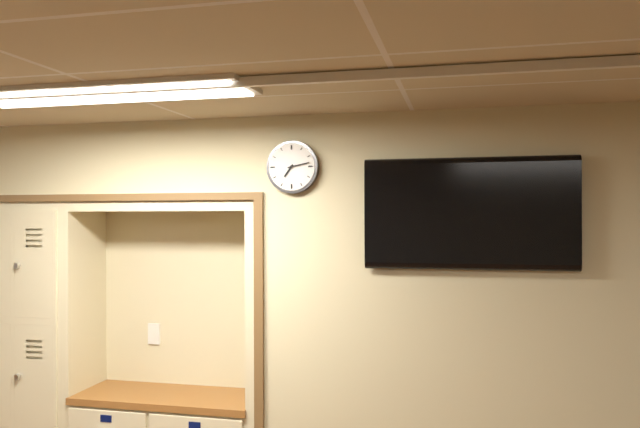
7:13
